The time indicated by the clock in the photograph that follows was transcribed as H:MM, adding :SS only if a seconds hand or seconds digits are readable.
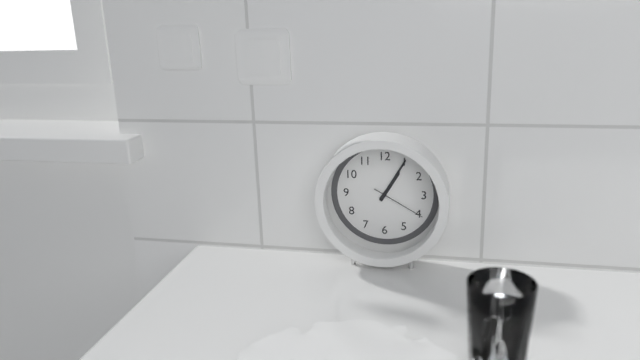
1:05:20
